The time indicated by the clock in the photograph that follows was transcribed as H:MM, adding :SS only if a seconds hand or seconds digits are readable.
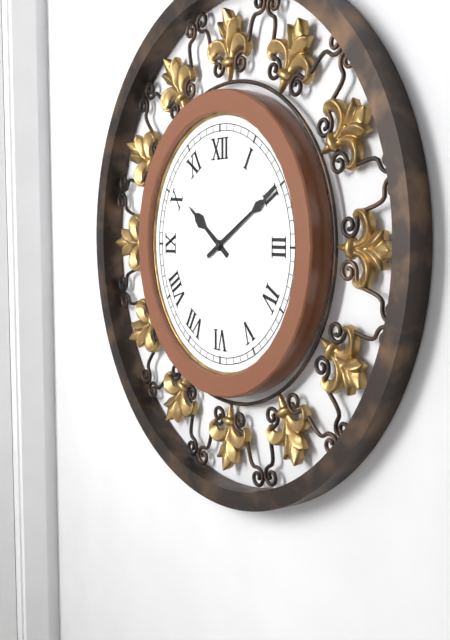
10:10
